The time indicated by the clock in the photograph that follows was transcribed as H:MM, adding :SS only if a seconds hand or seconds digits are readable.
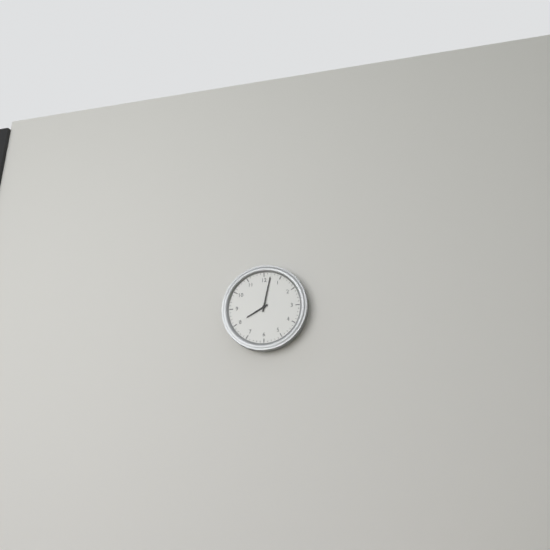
8:02
